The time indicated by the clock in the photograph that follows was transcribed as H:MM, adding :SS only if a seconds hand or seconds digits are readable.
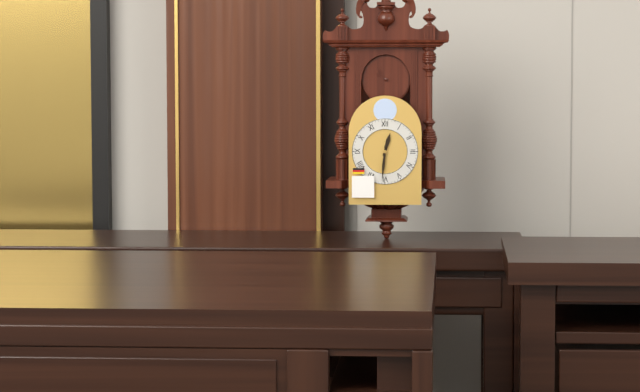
12:31
